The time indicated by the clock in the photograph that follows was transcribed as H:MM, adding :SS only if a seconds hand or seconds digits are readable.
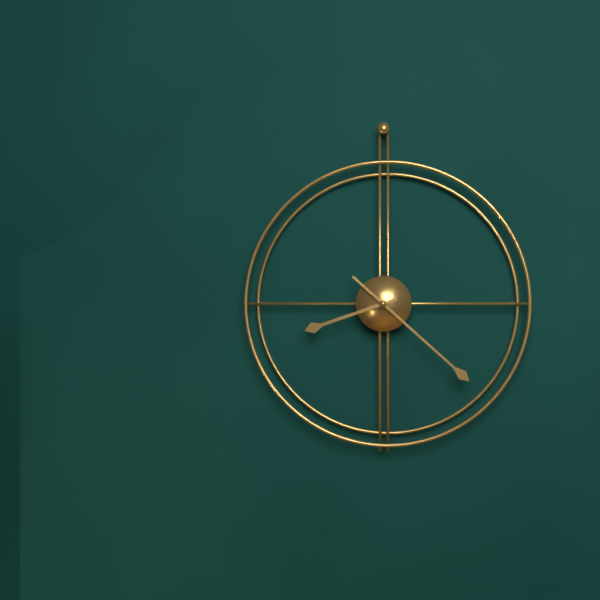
8:22
